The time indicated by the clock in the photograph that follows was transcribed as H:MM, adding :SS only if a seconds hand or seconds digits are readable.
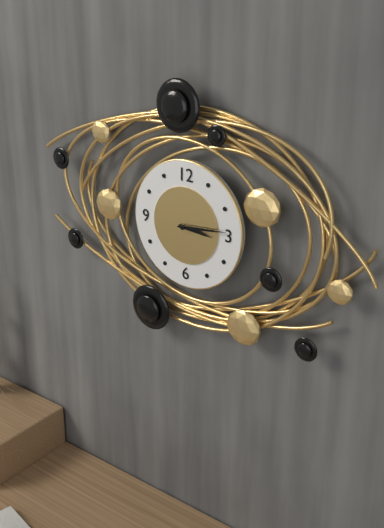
3:14
